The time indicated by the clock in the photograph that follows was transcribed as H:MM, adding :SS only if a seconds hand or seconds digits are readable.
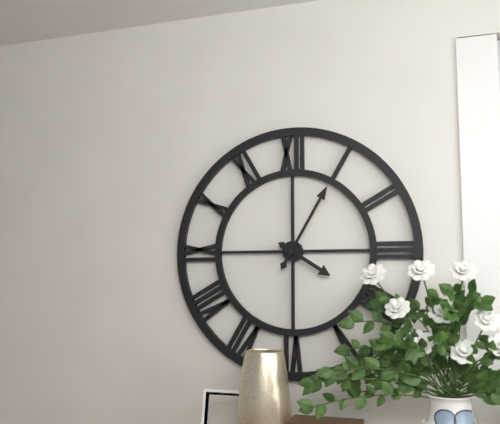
4:05
